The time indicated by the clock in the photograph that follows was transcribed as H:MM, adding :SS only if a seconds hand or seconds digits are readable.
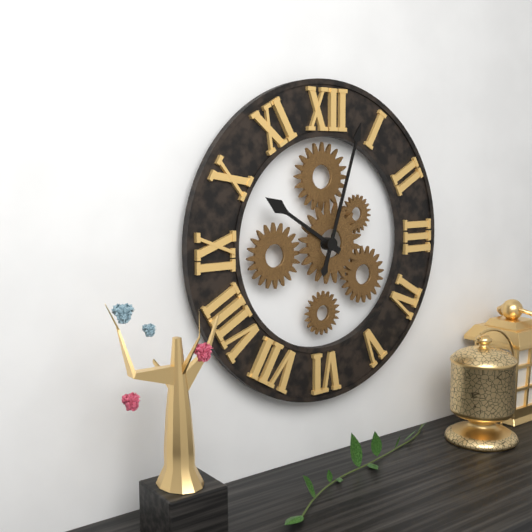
10:03
